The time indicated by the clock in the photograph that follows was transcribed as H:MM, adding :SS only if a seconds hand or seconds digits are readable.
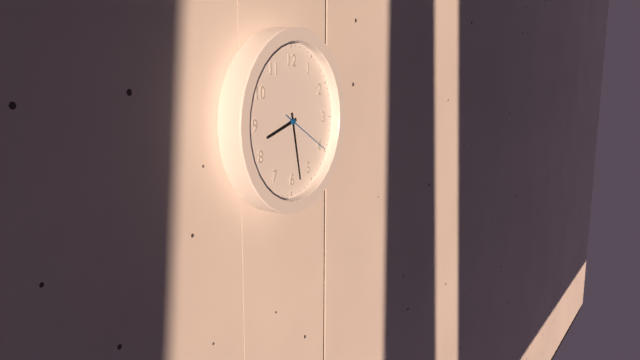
8:28:20
